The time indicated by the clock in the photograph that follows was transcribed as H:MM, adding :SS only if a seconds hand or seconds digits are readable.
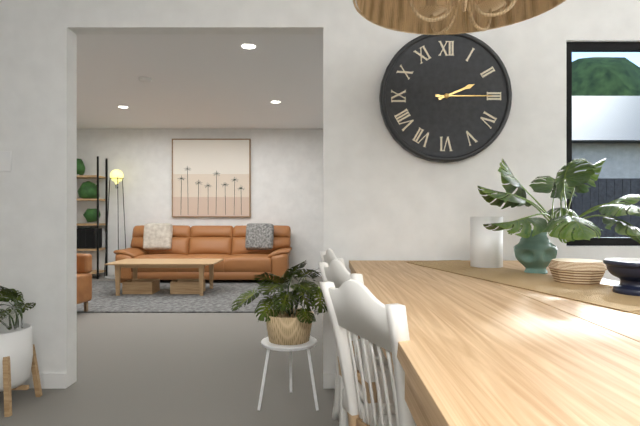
2:15
